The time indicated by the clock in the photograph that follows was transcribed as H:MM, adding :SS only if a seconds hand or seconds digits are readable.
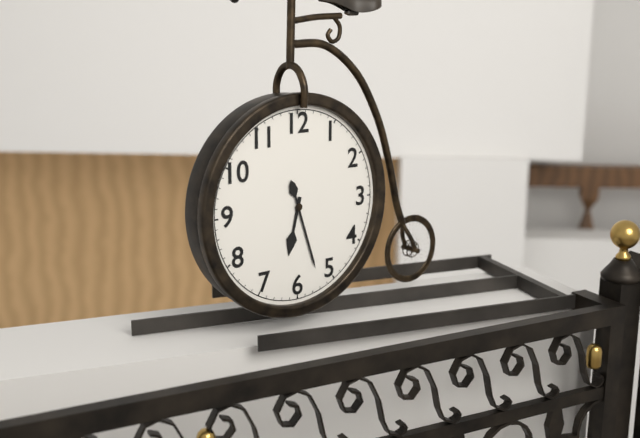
6:27
